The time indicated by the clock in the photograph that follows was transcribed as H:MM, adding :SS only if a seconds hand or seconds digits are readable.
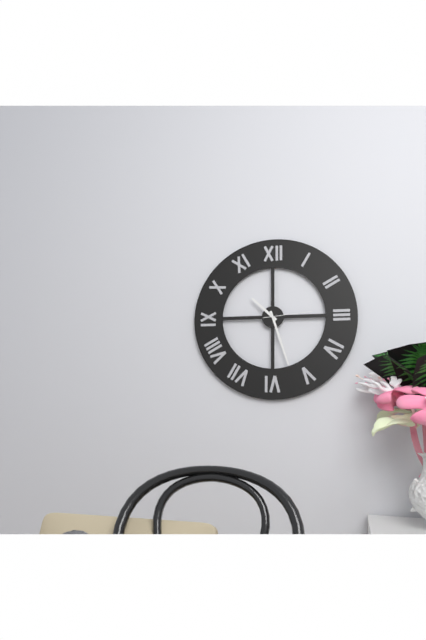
10:27:14
